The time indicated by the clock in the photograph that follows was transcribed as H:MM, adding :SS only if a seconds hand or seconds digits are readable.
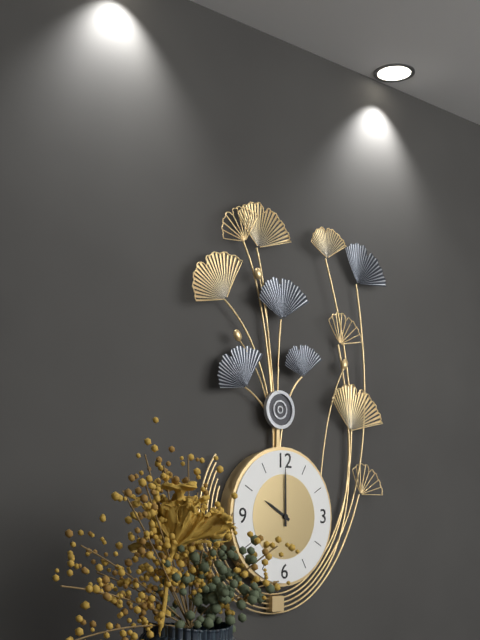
10:00
